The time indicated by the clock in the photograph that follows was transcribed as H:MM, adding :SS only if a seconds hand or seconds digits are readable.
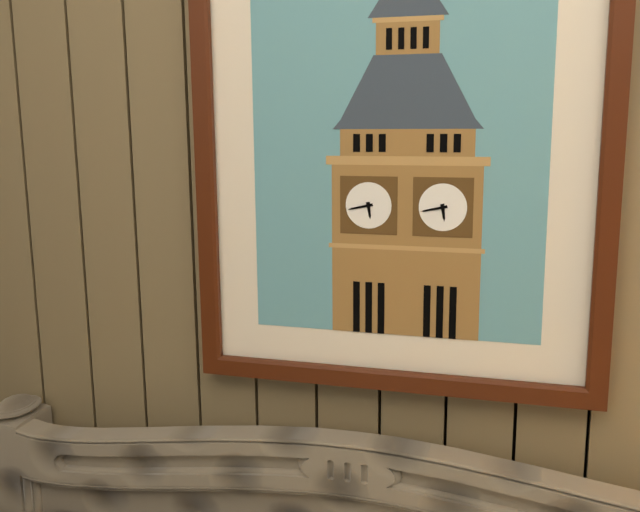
5:43
